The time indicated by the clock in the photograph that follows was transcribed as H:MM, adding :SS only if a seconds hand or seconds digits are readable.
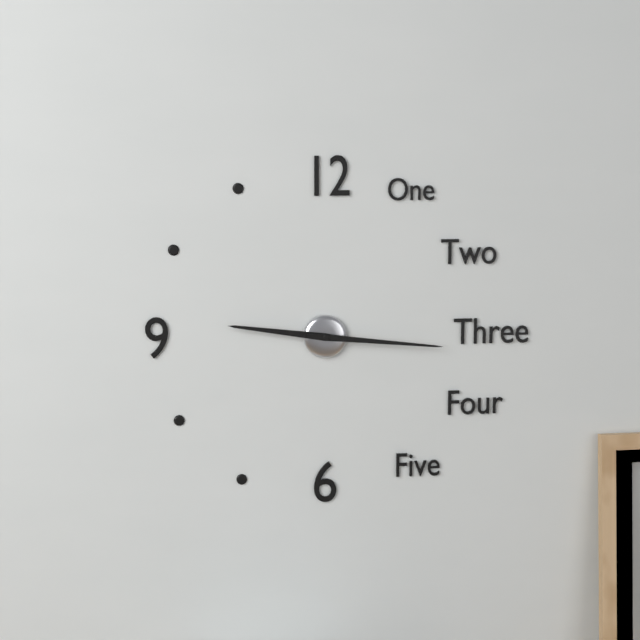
9:16
